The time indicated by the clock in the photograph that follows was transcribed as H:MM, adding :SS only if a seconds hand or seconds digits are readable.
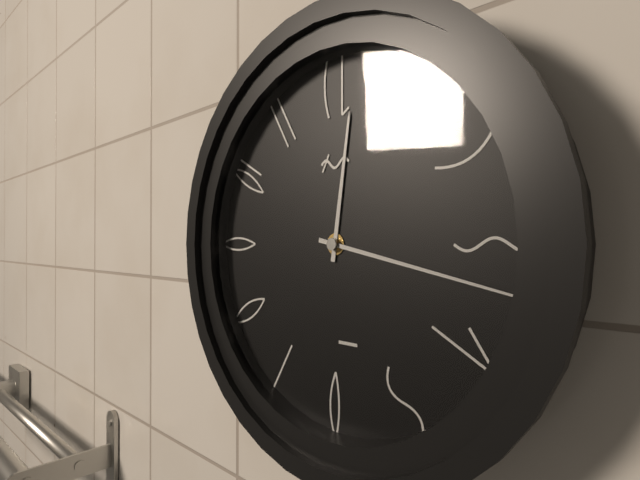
12:17
